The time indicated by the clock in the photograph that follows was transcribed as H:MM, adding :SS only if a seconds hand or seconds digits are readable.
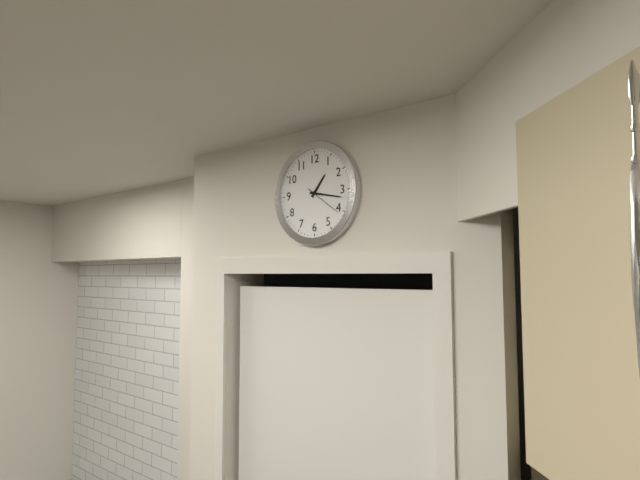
1:17
